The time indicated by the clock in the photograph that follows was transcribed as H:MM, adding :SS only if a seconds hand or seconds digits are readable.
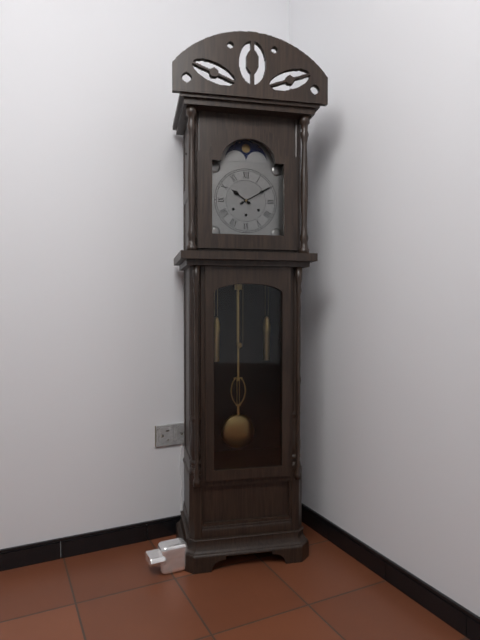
10:10
